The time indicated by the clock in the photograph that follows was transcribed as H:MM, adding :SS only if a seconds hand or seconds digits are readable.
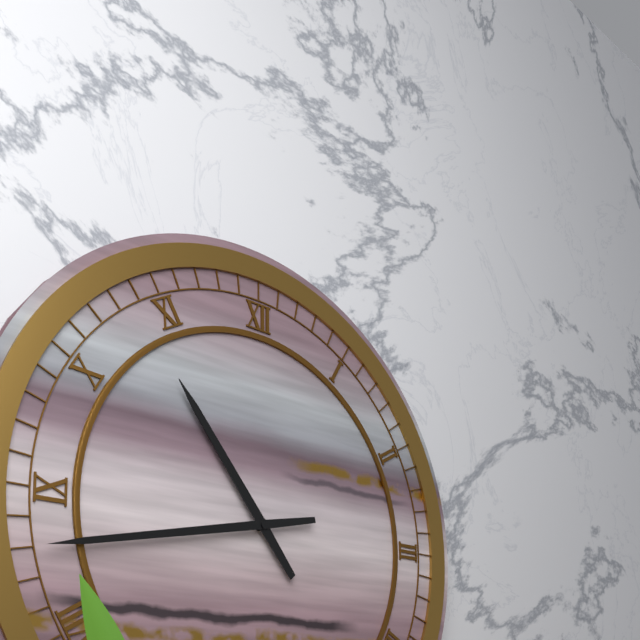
10:43
